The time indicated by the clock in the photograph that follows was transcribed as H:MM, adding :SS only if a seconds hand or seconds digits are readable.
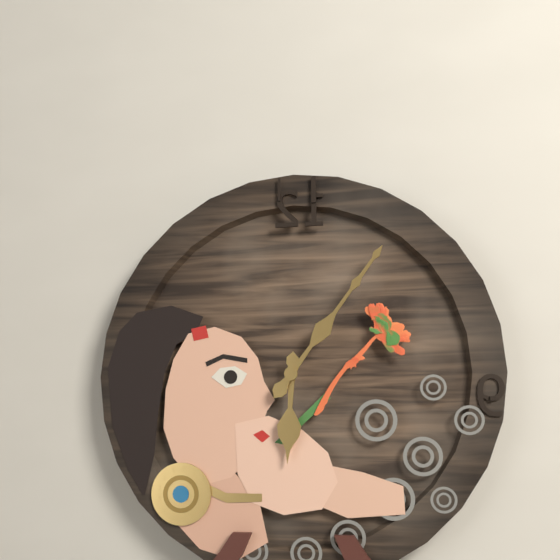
6:06
